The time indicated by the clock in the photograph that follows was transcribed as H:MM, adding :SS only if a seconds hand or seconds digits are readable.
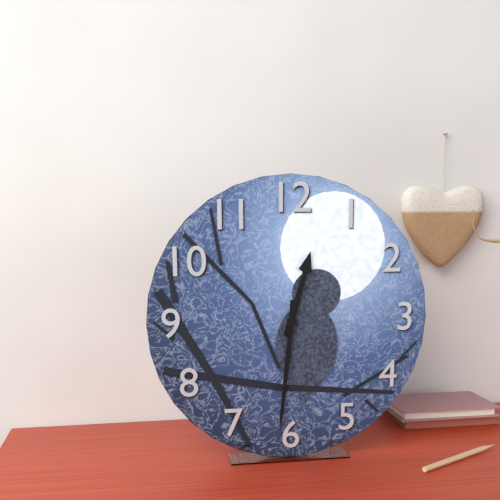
12:31
